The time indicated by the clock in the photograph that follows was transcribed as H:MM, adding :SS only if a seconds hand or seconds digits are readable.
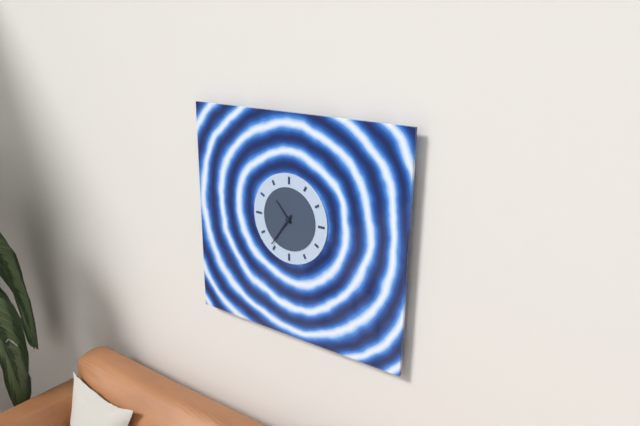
10:36
